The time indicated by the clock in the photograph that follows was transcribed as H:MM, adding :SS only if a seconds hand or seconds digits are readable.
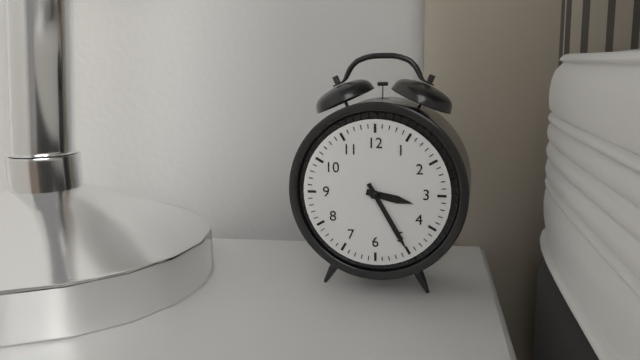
3:25
